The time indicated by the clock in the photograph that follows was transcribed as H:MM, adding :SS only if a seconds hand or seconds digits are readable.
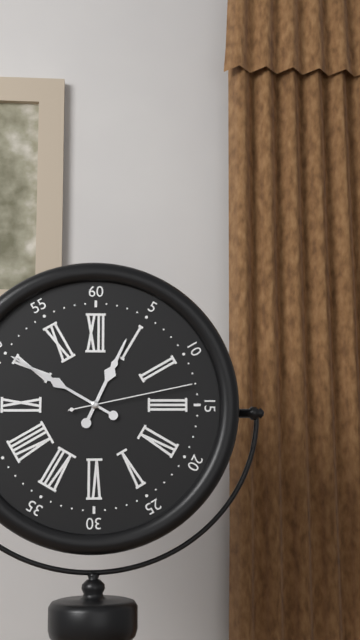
12:50:13
